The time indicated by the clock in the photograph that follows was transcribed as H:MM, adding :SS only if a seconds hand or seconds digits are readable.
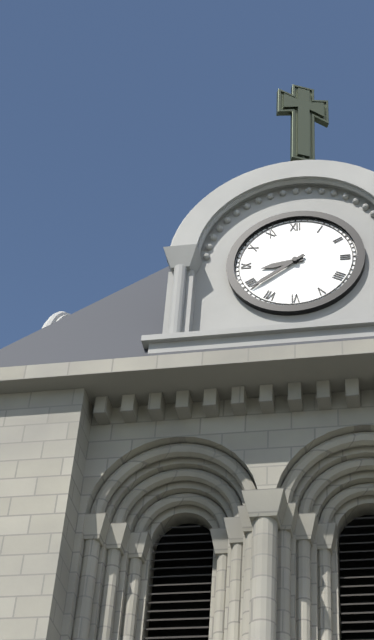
8:39
